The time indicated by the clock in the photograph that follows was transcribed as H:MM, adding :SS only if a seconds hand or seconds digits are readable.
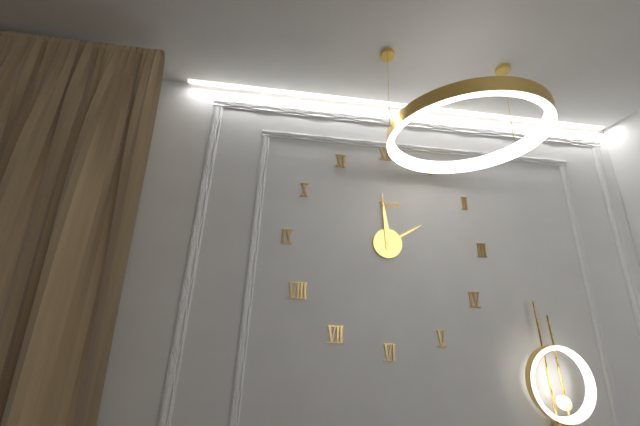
1:59
